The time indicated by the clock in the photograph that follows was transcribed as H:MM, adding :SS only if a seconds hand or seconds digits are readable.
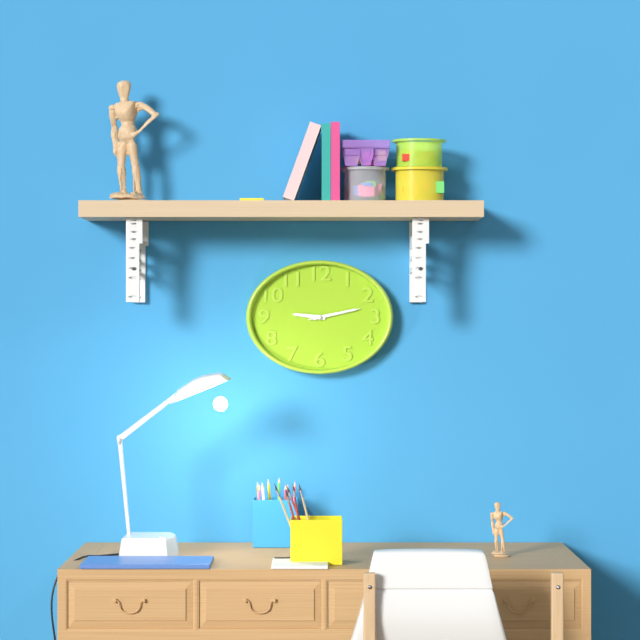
9:13:13
